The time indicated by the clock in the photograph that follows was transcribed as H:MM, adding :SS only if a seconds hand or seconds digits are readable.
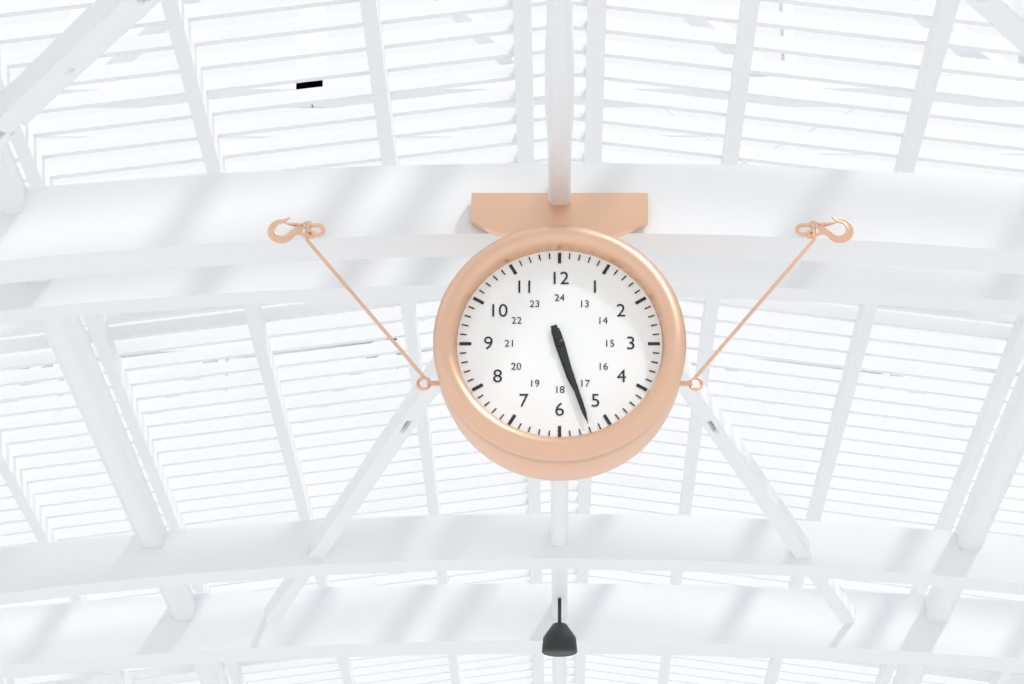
5:27
